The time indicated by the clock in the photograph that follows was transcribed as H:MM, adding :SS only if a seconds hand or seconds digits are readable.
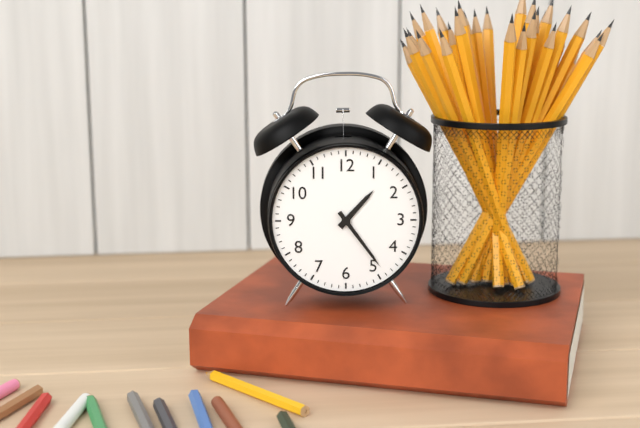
1:24
